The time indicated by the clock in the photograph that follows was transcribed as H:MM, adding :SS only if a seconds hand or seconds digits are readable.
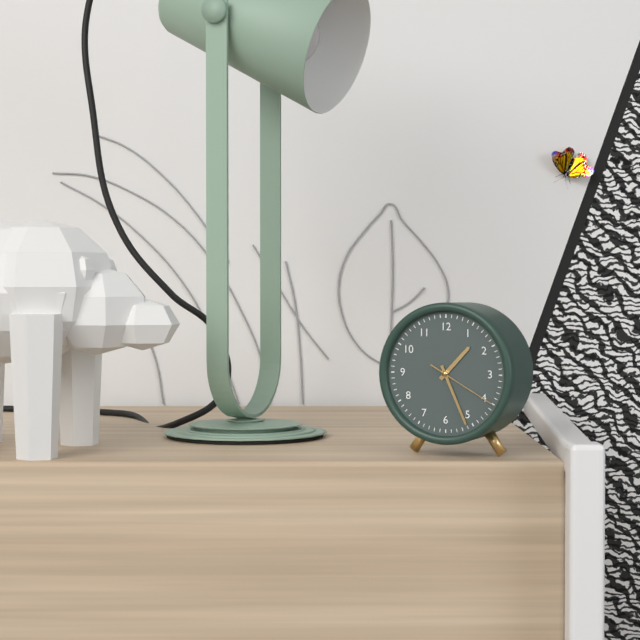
1:26:20
